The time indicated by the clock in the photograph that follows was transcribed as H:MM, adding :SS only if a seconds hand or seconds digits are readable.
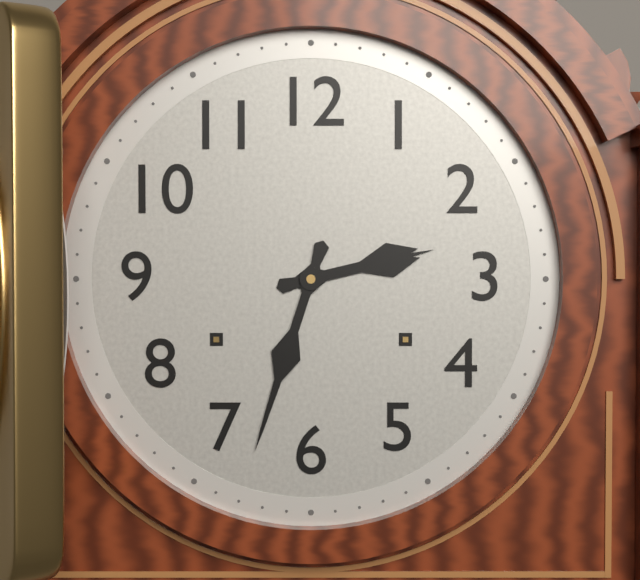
2:33
